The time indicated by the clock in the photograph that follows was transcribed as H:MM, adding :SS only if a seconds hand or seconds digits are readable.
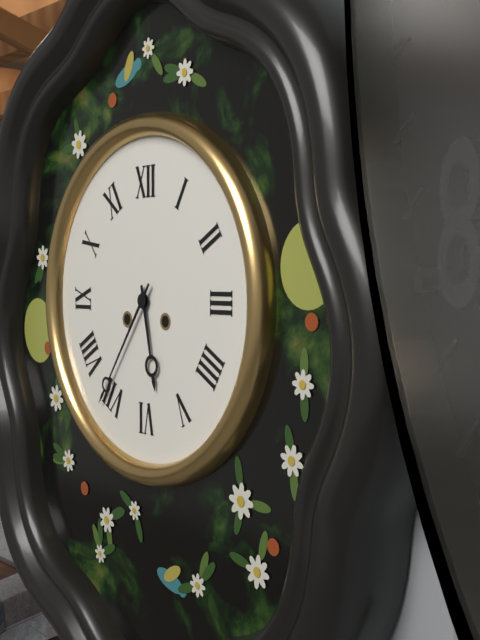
5:36
